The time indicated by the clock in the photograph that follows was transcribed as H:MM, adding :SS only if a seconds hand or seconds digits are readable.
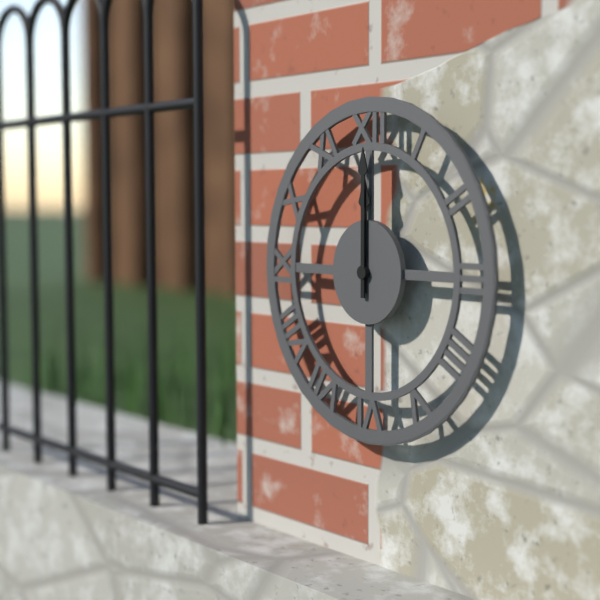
12:00
